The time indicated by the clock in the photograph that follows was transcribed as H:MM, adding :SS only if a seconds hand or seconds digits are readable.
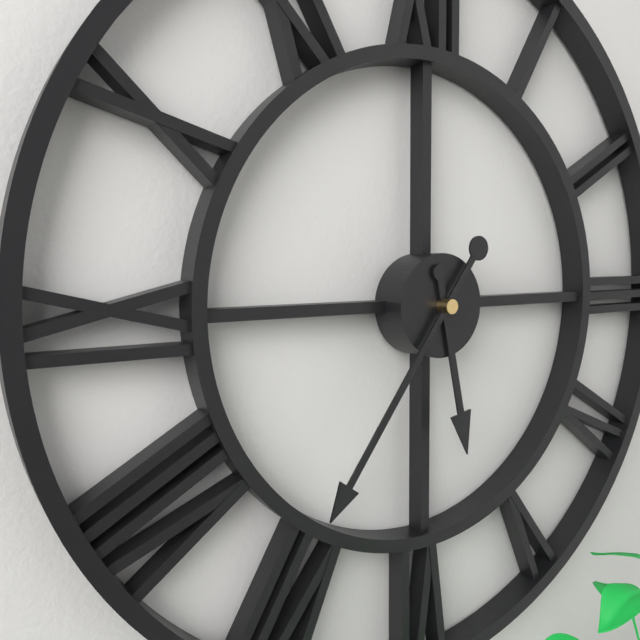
5:36
